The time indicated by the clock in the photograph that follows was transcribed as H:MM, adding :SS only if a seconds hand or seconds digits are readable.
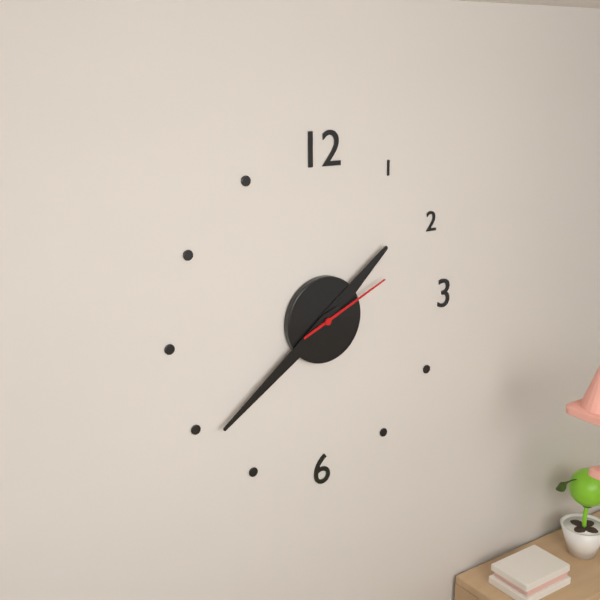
1:39:11
